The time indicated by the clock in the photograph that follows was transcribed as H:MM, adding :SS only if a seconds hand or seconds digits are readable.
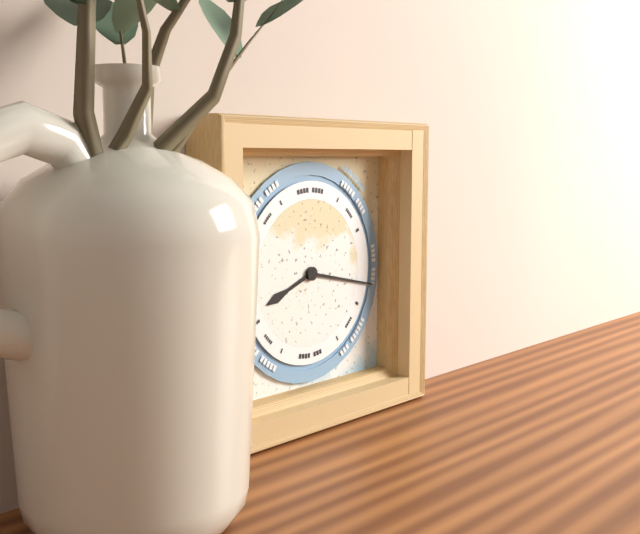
8:17
